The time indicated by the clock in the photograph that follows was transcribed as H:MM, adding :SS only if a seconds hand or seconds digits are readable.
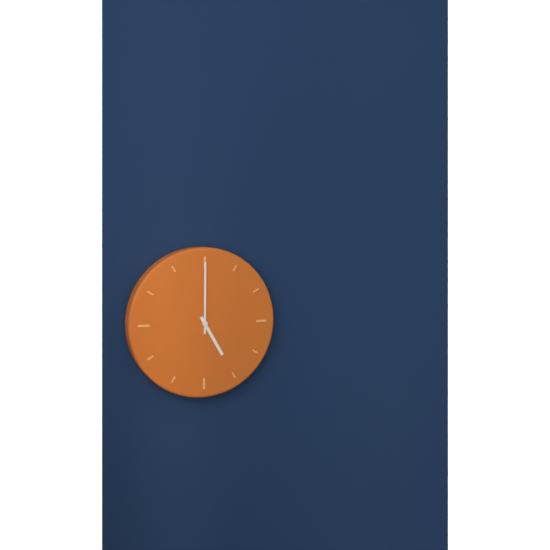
5:00
